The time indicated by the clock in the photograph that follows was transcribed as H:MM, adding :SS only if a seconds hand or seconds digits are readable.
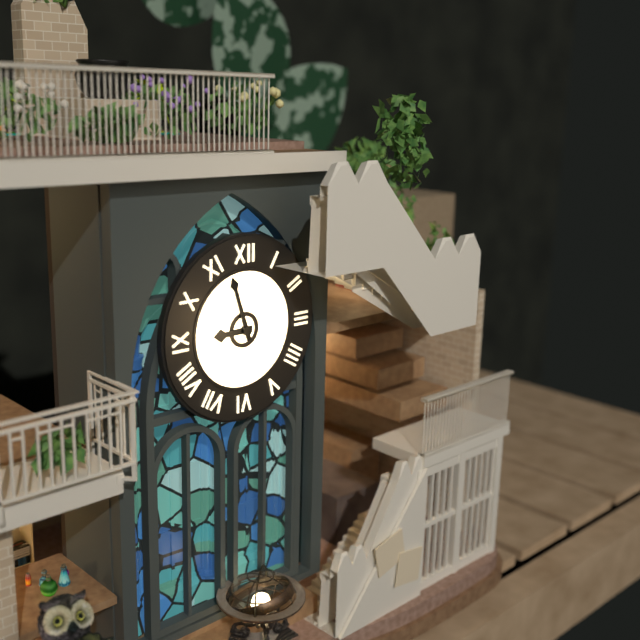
8:57
